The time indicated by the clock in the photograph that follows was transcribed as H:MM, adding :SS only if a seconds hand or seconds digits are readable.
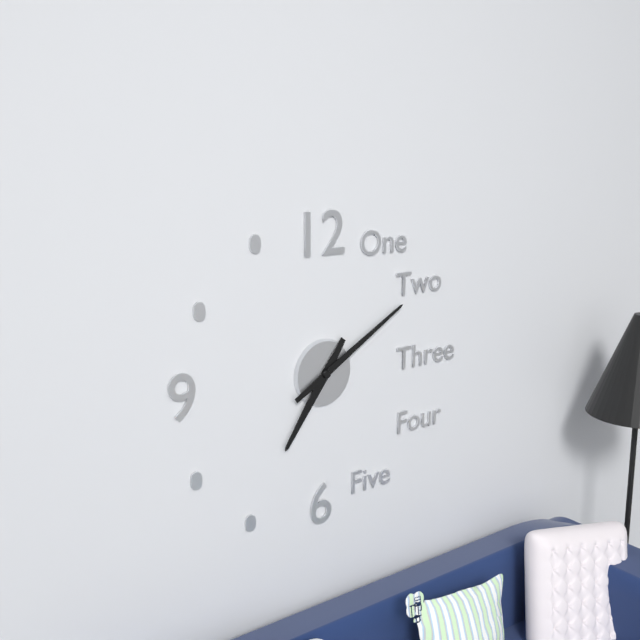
7:10
